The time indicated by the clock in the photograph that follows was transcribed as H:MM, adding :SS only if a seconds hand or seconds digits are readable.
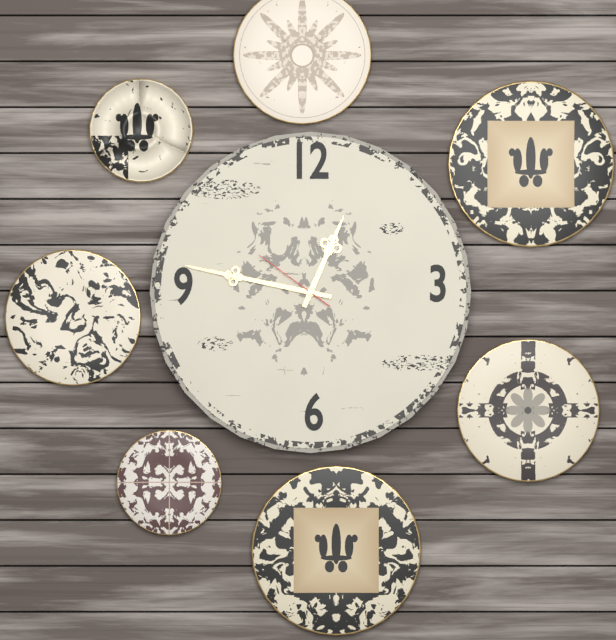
12:47:51
